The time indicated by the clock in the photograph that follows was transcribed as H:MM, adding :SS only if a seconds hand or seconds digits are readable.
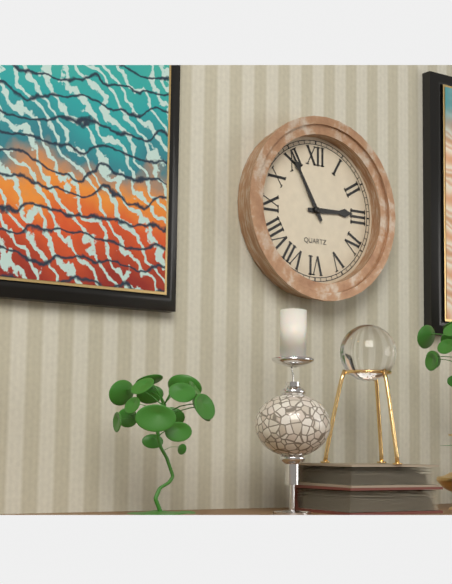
2:55
